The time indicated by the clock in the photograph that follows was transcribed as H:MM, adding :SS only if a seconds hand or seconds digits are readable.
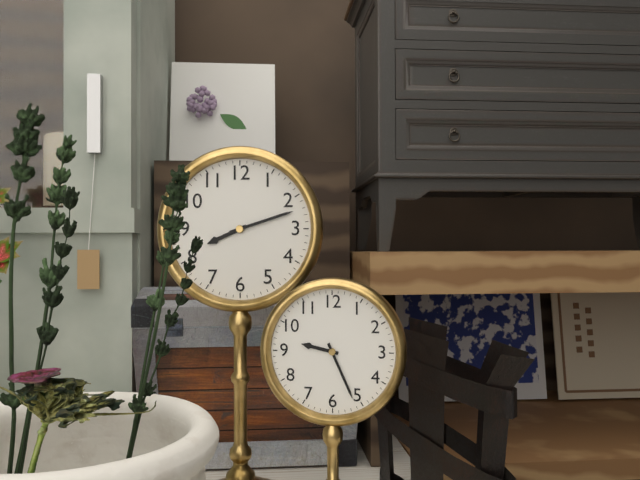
8:12
